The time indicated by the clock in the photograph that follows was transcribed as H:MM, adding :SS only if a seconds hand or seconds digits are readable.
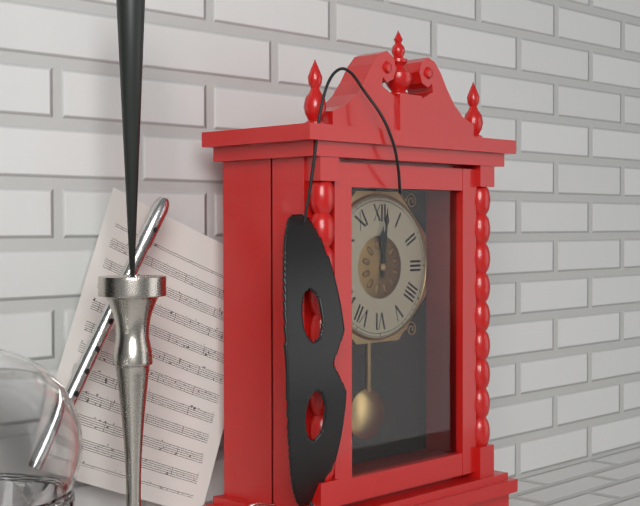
12:01
